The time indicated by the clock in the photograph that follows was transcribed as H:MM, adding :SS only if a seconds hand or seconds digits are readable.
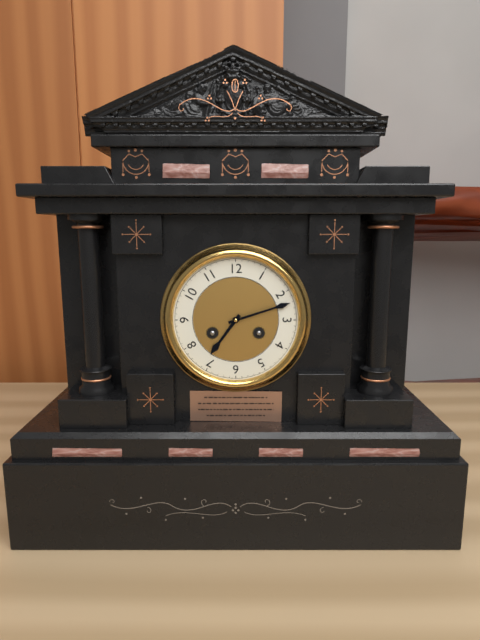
7:12
